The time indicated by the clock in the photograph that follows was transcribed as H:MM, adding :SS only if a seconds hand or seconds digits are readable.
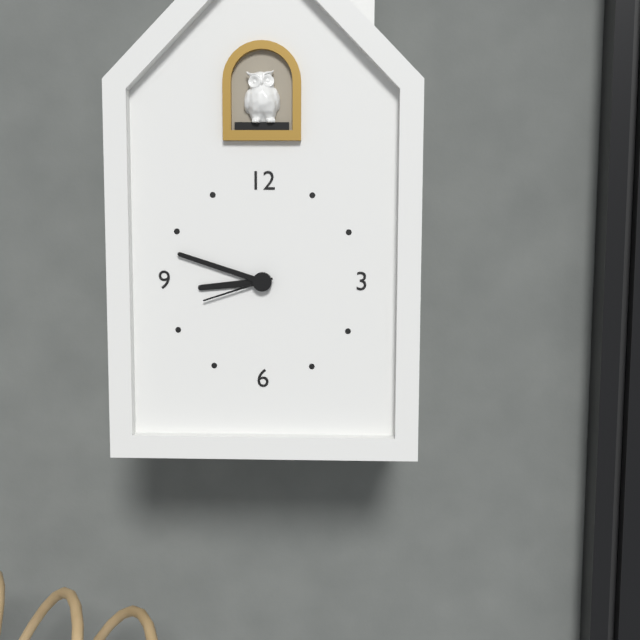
8:48:42
